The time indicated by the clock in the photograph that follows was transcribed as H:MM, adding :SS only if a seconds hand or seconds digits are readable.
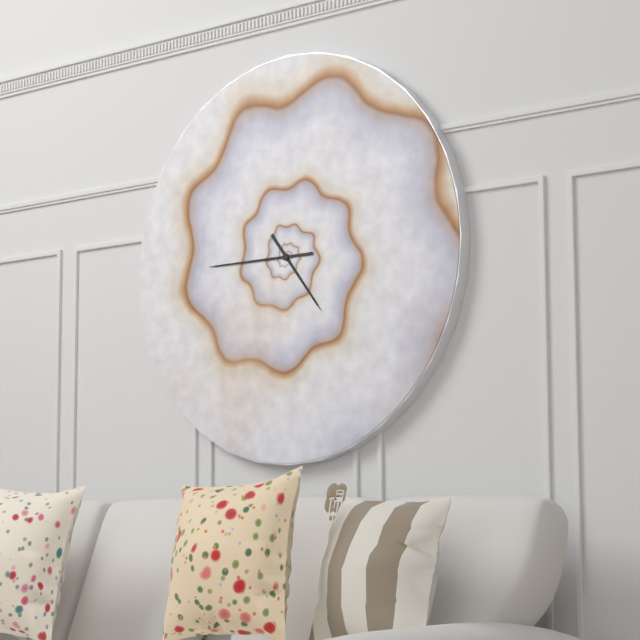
4:45
